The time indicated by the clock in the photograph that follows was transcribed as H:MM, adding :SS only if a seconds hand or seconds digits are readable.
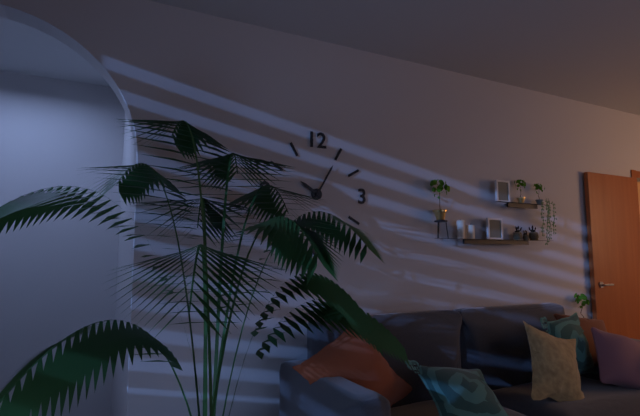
10:05
